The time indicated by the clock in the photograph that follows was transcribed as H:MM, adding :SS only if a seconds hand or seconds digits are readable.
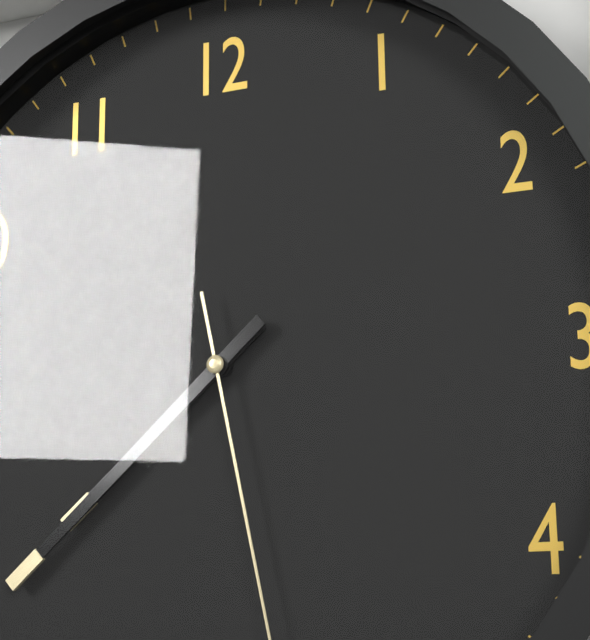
7:38
